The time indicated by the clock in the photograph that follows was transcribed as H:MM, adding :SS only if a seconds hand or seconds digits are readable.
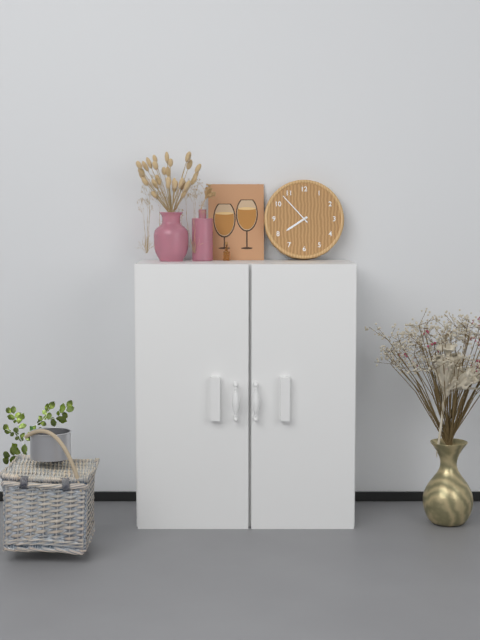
7:53
